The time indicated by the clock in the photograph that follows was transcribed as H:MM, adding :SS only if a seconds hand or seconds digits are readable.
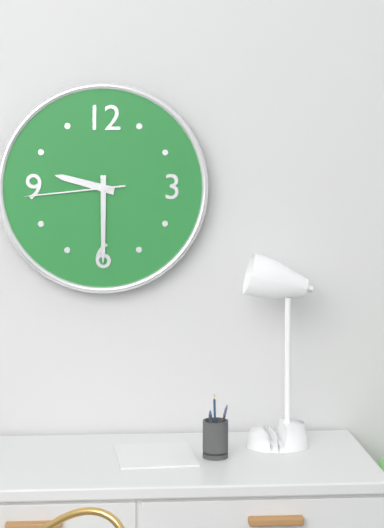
9:30:44
